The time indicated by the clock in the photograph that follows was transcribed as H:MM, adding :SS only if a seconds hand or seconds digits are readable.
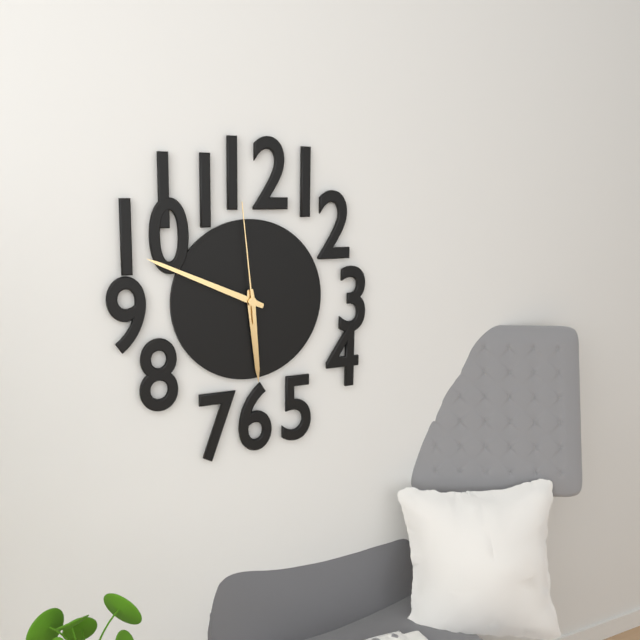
5:49:59
